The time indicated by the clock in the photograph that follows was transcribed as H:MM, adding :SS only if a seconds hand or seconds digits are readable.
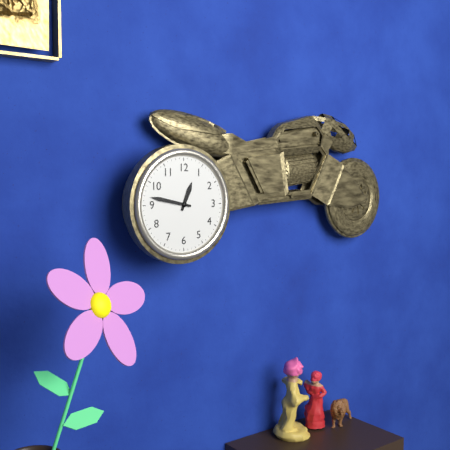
12:47
